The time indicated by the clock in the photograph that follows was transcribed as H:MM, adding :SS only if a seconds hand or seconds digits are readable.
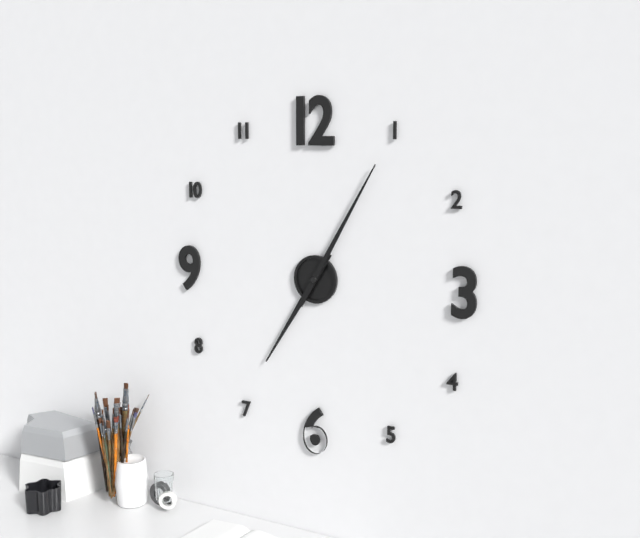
7:05
